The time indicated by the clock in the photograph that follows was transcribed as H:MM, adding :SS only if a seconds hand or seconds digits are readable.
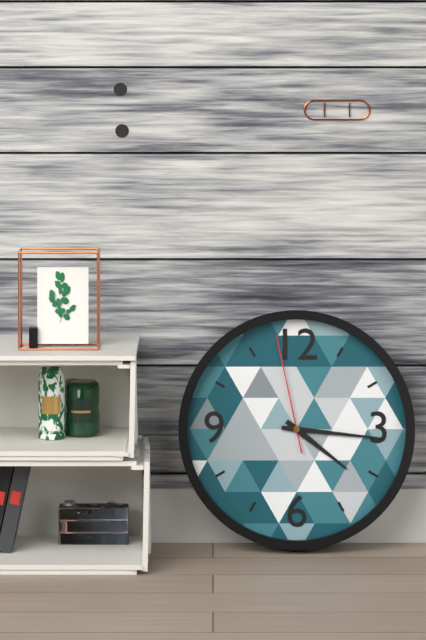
4:16:58
